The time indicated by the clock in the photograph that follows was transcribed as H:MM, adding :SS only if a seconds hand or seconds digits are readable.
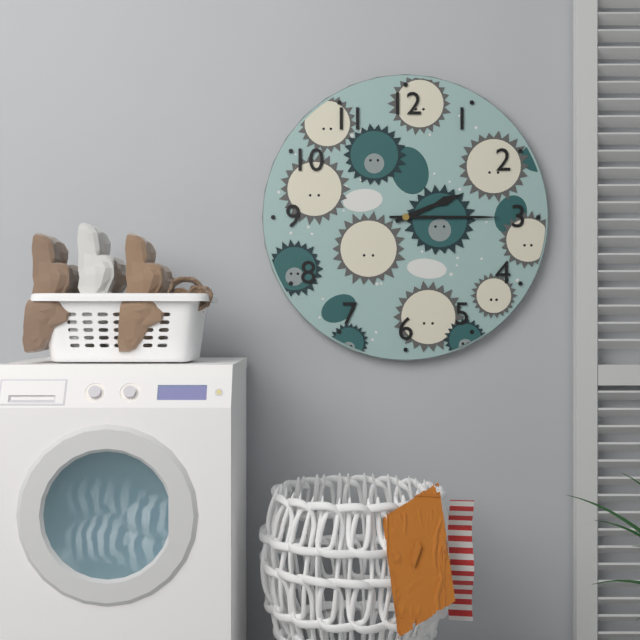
2:15
